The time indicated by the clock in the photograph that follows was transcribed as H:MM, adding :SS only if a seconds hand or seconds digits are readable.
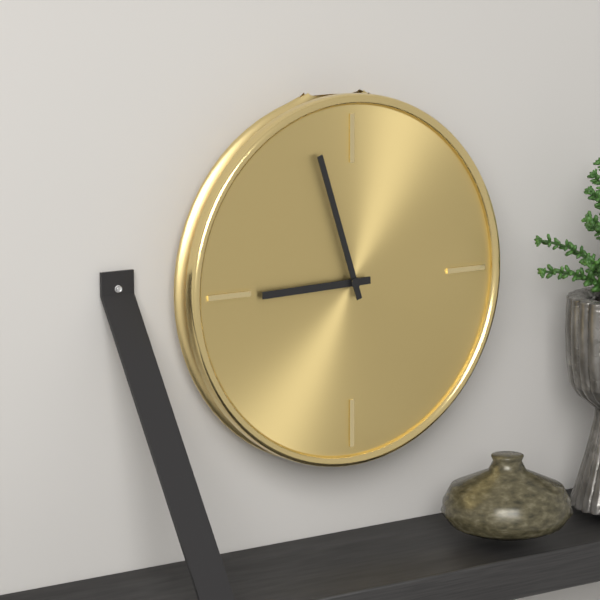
8:57
